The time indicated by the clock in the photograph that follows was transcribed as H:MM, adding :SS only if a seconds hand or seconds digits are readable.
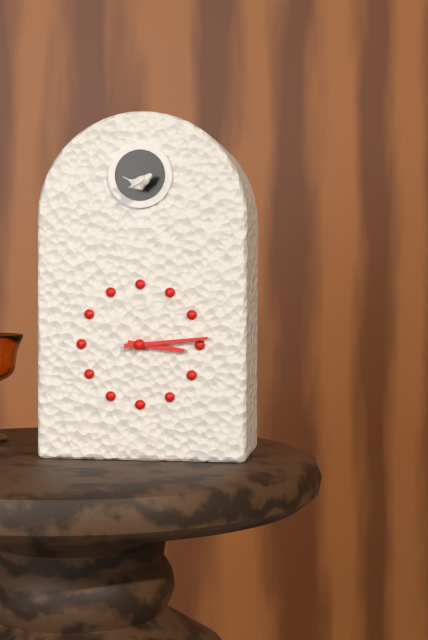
3:14
